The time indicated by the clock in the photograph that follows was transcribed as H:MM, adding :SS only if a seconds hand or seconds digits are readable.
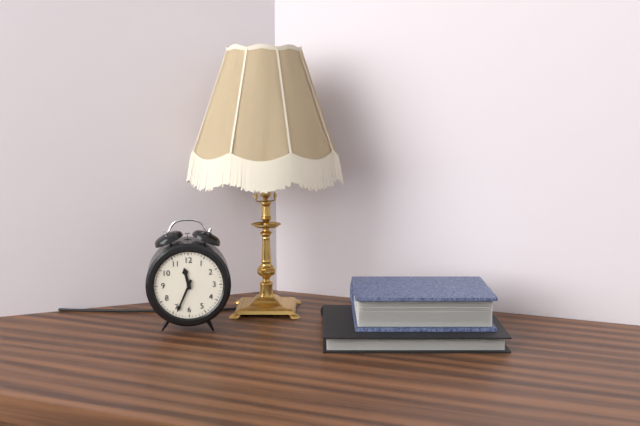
11:34
